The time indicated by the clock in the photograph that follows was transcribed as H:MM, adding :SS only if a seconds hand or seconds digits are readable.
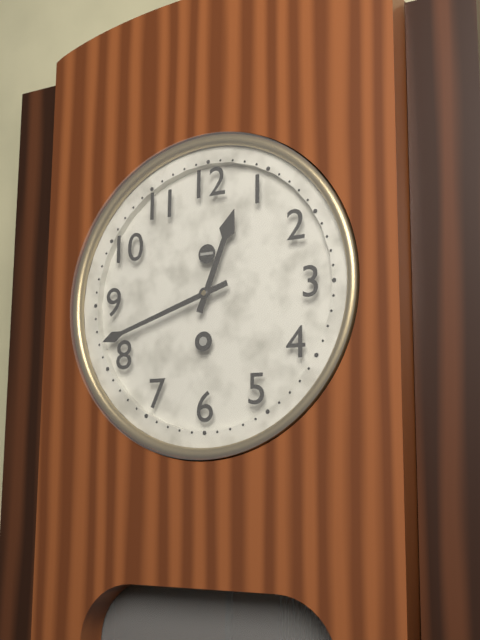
12:42
